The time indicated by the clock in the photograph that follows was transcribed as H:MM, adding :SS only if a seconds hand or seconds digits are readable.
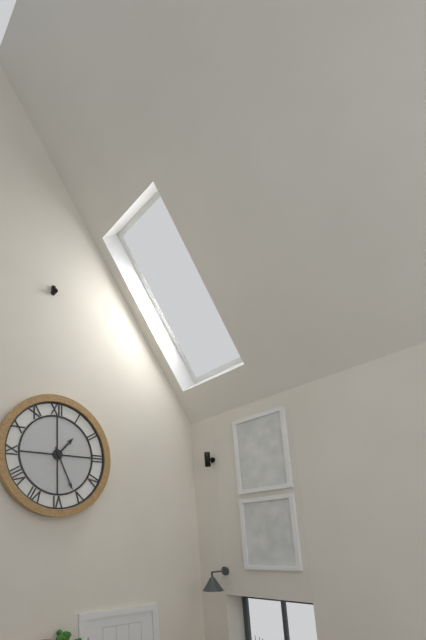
1:26
